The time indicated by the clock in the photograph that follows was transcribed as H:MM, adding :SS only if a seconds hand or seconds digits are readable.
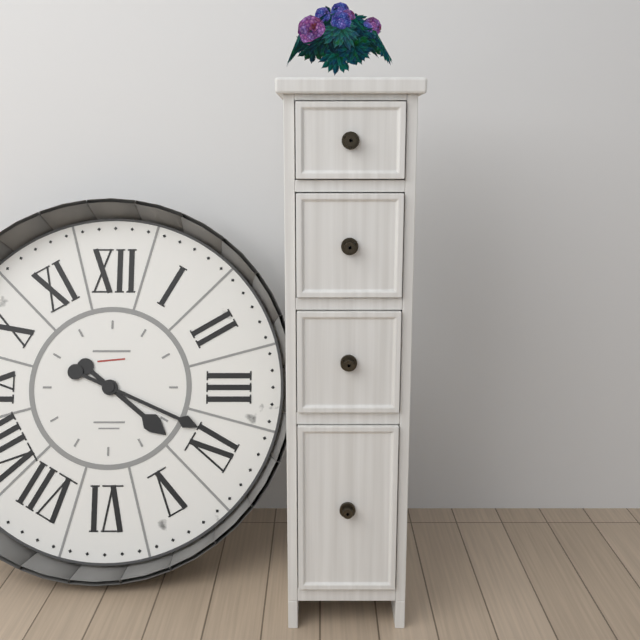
4:19
